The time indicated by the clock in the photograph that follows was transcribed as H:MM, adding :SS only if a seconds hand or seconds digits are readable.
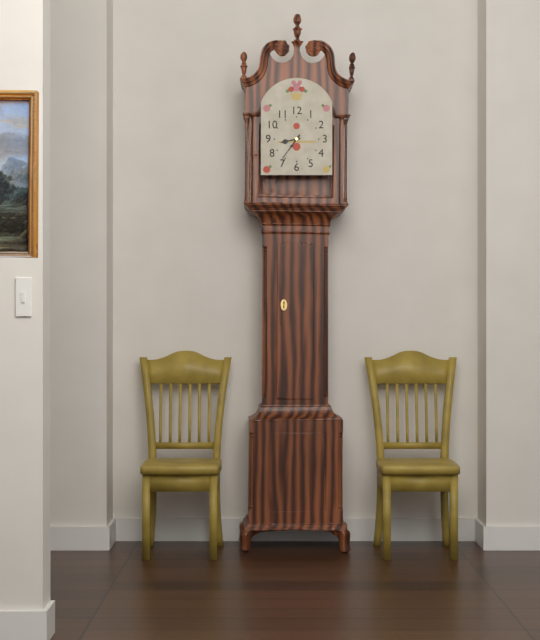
8:36
